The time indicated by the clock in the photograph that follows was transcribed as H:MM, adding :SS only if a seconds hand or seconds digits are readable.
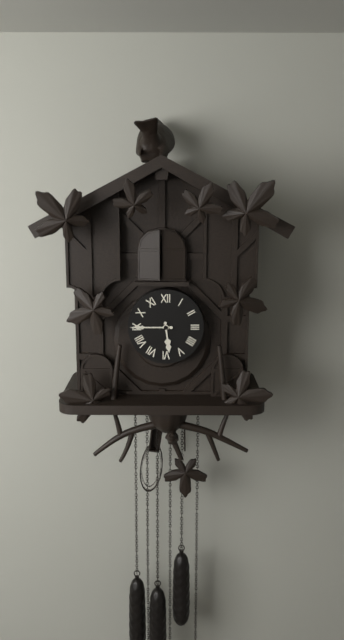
5:45
